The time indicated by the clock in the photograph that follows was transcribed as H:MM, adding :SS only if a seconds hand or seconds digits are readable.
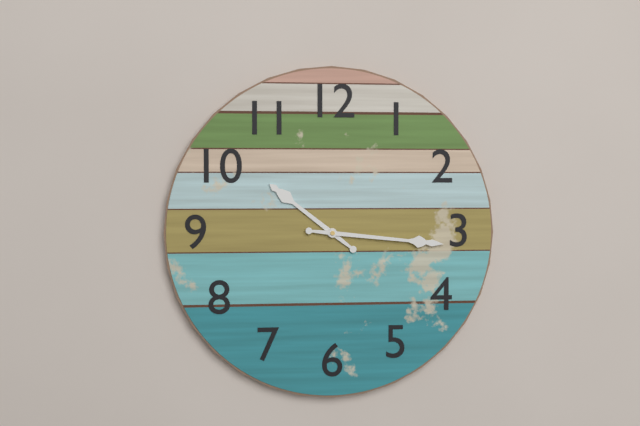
10:16
